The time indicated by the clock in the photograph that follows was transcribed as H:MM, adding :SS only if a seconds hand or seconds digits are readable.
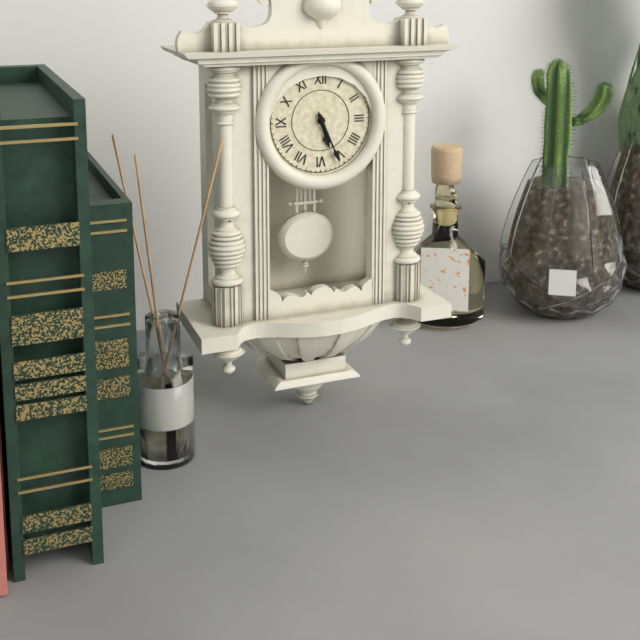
5:26
